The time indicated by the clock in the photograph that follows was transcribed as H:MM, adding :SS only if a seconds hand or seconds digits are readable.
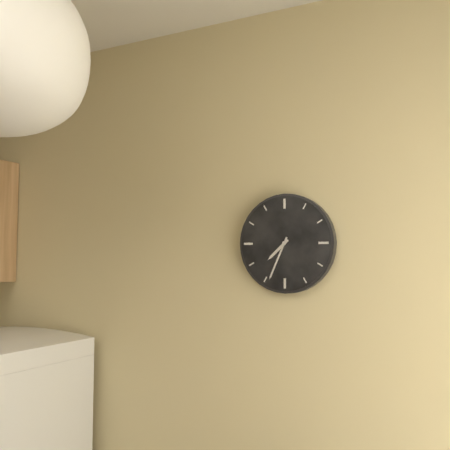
7:34
